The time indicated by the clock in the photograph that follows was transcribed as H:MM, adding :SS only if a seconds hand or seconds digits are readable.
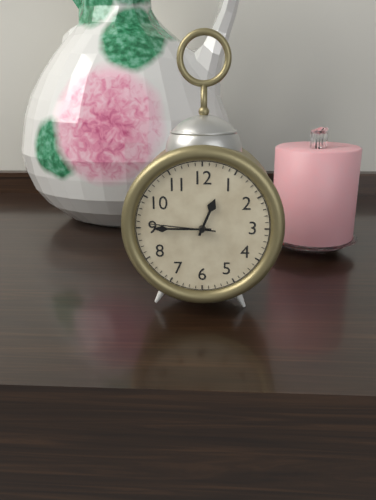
12:45:46
